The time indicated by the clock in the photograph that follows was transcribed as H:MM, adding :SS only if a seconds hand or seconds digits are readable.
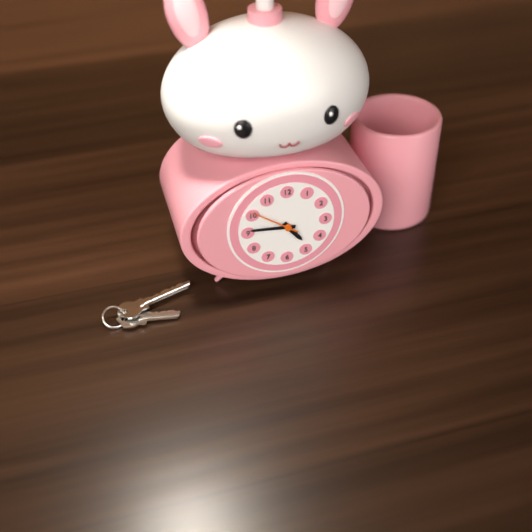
4:46
